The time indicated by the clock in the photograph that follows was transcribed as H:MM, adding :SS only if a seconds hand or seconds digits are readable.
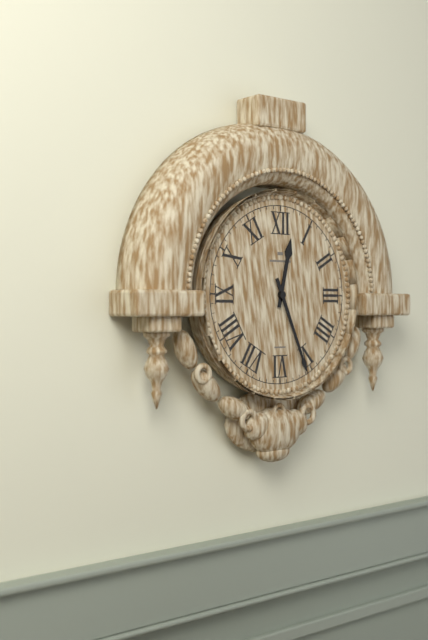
12:26
